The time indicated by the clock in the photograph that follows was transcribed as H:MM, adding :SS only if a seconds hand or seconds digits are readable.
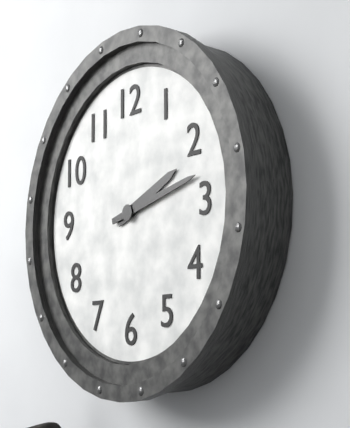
2:13
